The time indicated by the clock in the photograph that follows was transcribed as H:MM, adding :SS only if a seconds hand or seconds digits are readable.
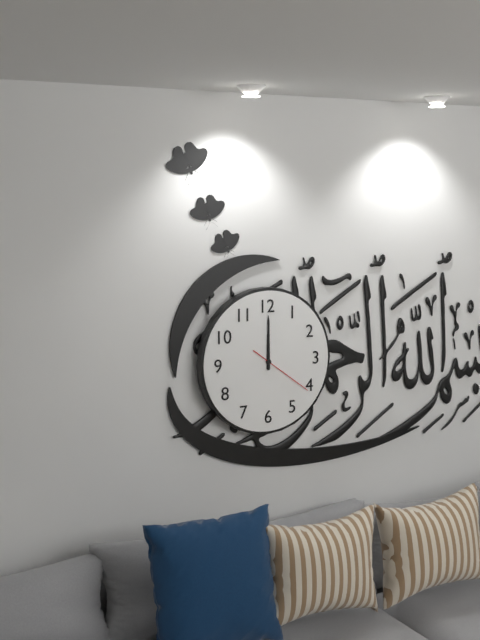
12:00:21
